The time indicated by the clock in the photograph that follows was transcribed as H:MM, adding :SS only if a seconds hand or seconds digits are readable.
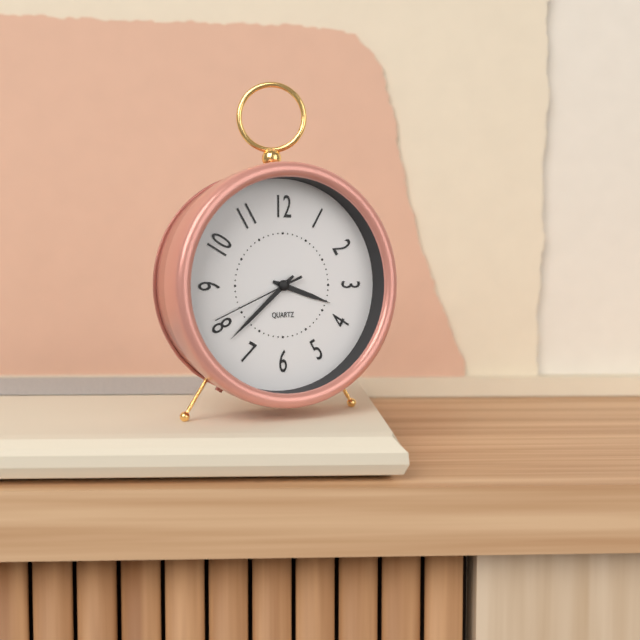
3:38:41
